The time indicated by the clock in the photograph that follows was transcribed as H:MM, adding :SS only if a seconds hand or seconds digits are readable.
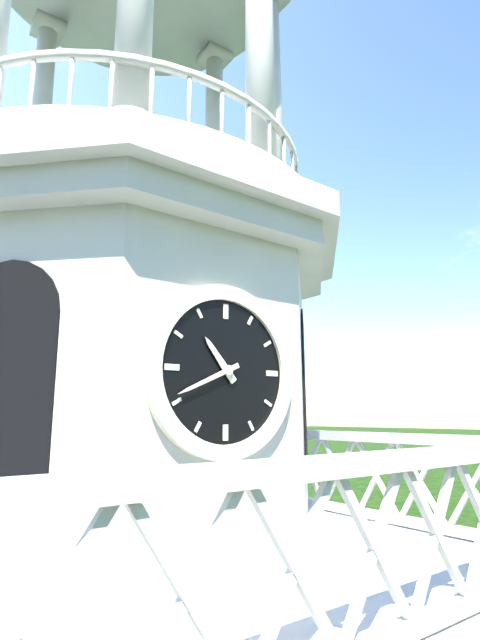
10:41
